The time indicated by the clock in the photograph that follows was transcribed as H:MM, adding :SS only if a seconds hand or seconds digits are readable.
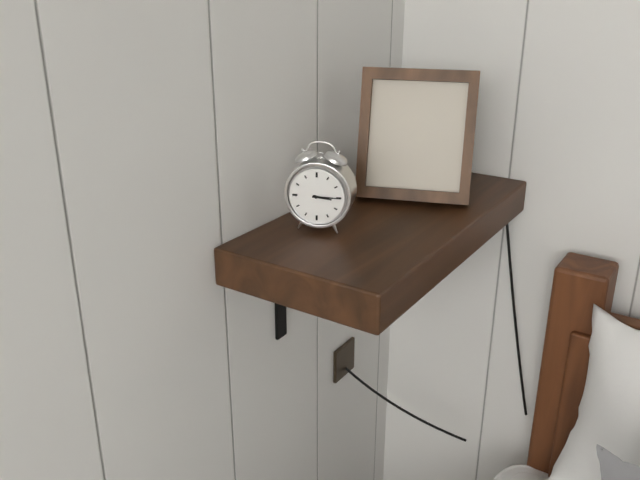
3:15
